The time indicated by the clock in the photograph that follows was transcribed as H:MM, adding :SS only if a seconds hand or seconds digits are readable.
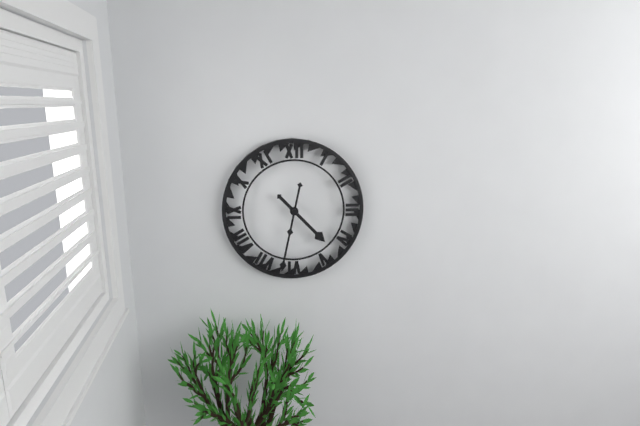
4:32
